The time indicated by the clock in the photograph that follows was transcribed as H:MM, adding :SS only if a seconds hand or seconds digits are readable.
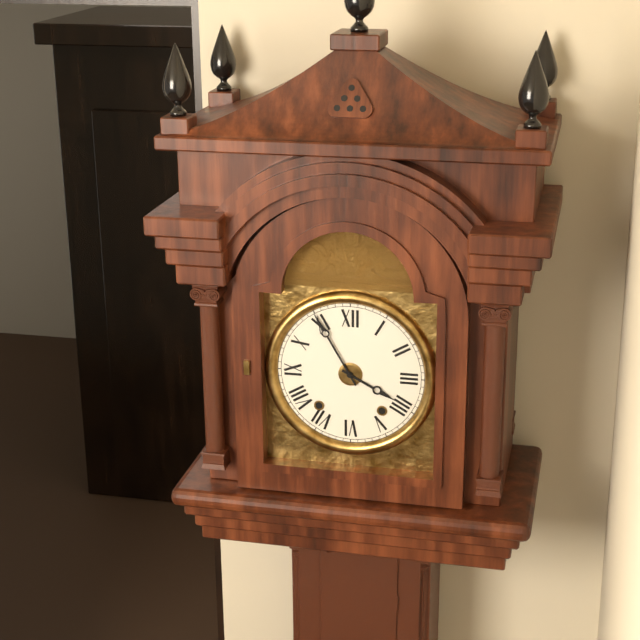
3:55
